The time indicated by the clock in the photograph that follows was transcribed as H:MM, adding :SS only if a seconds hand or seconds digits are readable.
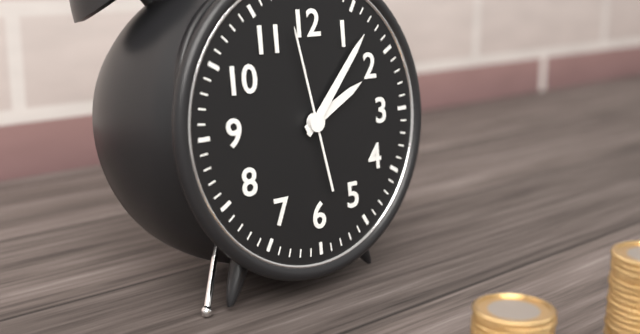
2:07:58
